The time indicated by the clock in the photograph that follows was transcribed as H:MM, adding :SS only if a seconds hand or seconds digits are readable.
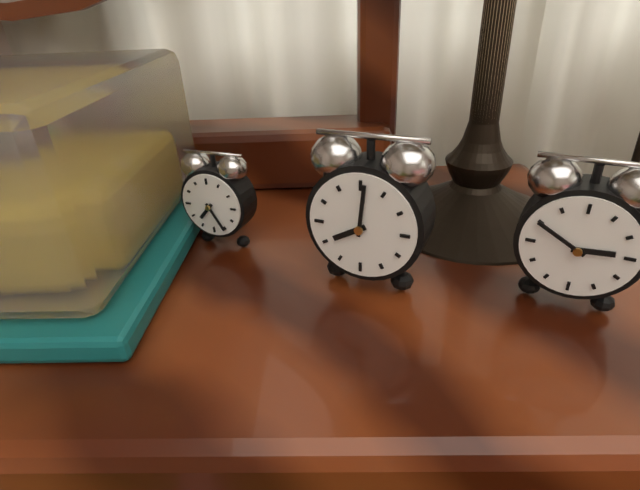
8:01
